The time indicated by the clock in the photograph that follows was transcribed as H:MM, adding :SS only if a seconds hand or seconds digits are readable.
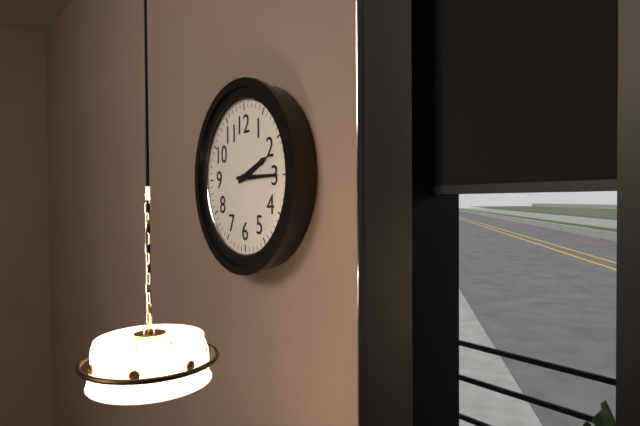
2:15
